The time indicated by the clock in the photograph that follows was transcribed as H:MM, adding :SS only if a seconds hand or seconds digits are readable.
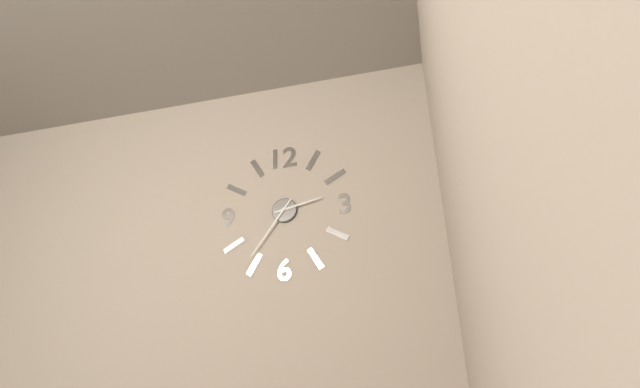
2:36
